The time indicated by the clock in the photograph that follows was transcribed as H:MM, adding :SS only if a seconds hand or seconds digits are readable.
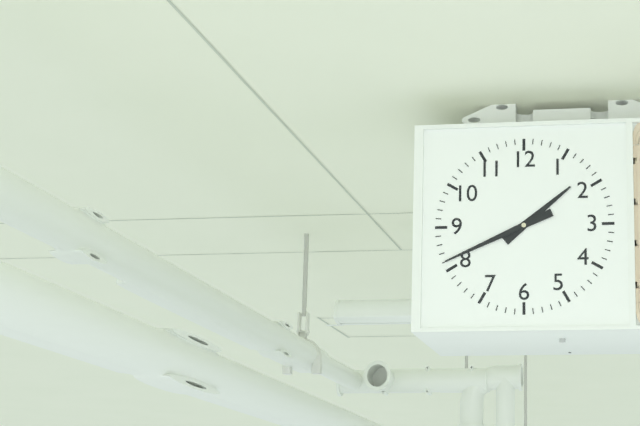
1:41
